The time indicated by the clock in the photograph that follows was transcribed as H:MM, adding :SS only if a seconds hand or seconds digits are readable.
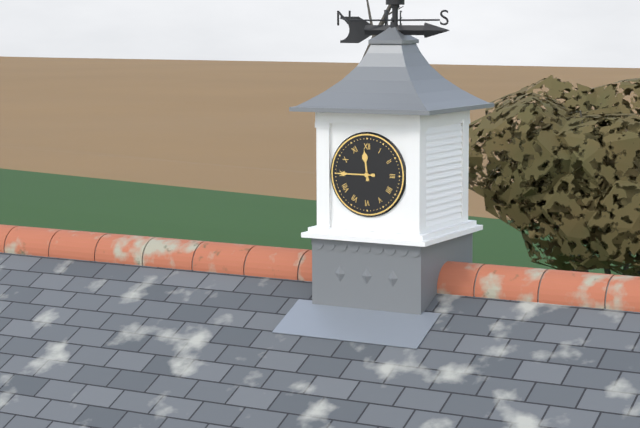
11:45
